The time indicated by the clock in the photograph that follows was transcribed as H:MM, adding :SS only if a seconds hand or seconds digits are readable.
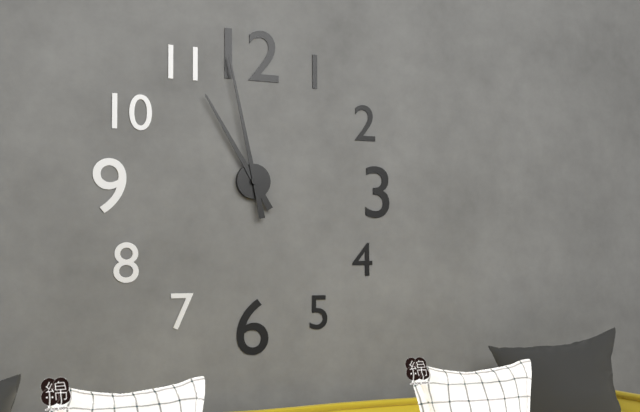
10:58
